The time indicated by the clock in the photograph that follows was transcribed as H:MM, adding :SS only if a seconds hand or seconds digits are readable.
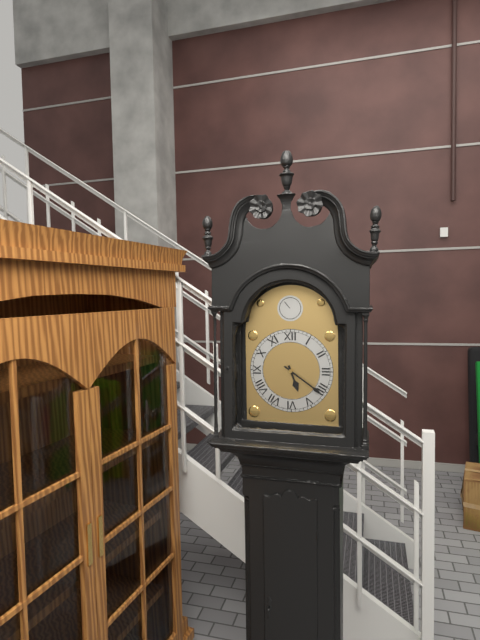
5:21
